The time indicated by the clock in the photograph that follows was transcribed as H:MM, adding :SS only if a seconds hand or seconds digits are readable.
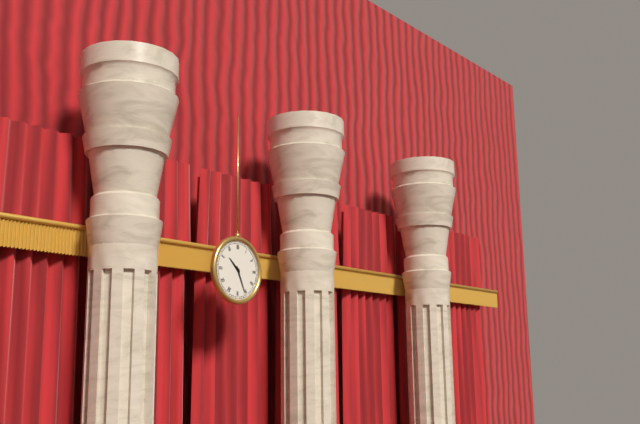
10:26
